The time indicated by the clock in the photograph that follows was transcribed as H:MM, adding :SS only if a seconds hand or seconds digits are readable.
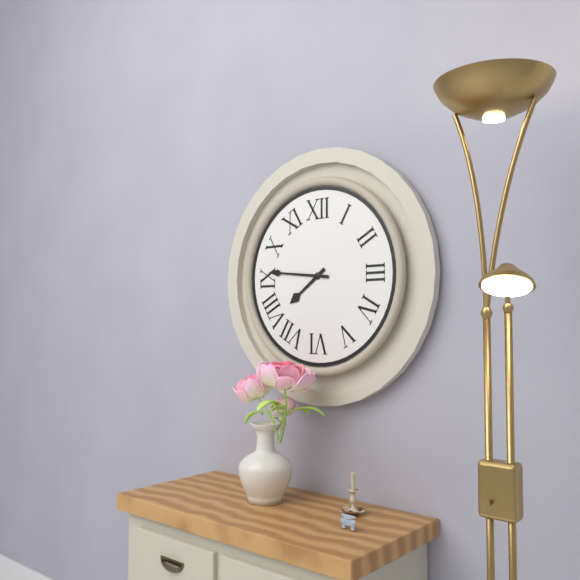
7:46
